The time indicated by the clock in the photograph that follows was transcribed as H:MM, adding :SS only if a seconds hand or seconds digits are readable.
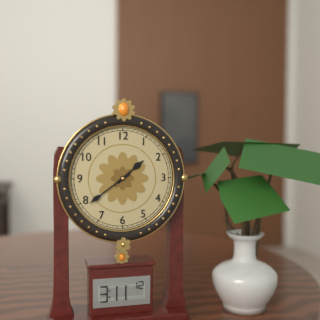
1:39
